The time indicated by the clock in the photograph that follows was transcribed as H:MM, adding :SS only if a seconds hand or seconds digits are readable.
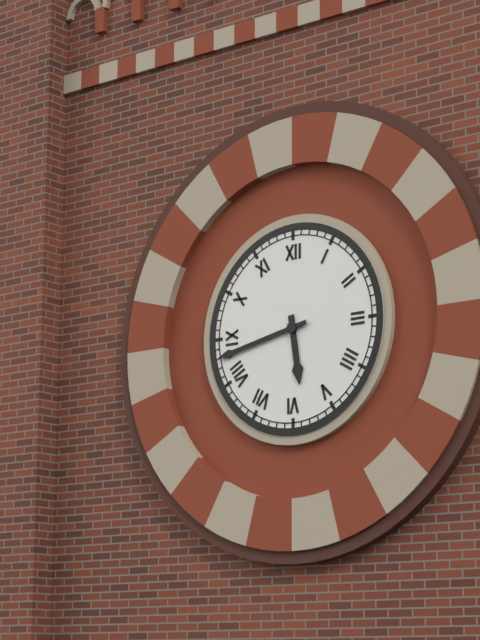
5:43
